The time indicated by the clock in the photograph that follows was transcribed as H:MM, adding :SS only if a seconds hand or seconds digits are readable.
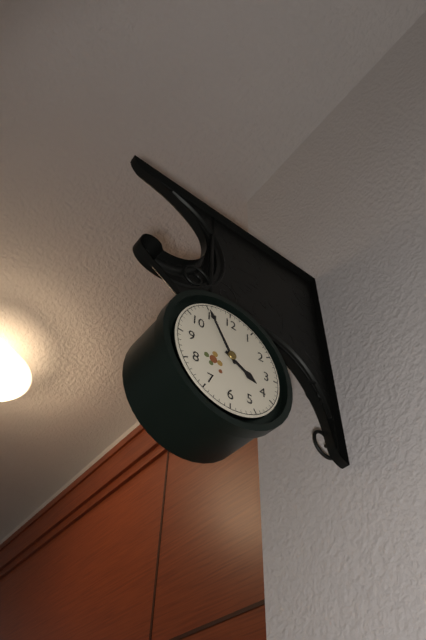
3:55
